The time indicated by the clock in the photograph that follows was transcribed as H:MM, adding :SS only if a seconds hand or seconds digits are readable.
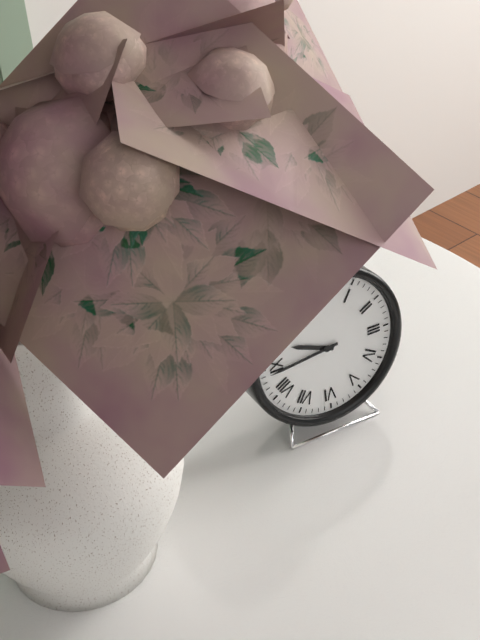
9:44
